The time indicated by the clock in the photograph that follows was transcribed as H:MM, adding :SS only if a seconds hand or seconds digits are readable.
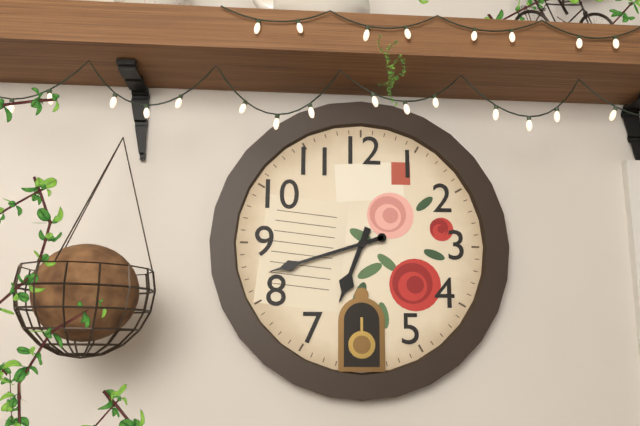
6:42
